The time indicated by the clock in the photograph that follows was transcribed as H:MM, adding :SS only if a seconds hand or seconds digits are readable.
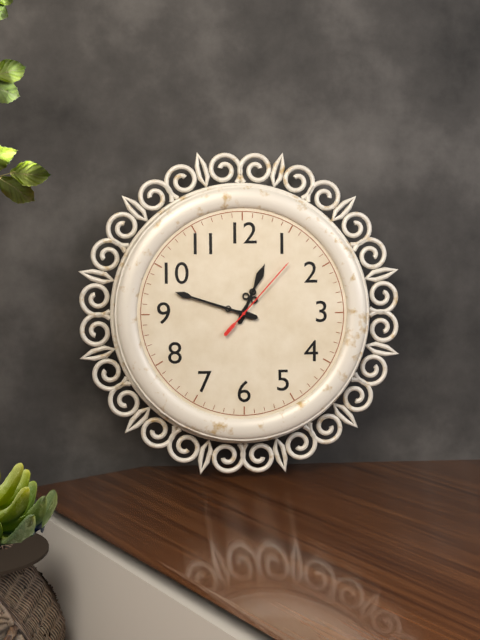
12:48:07
